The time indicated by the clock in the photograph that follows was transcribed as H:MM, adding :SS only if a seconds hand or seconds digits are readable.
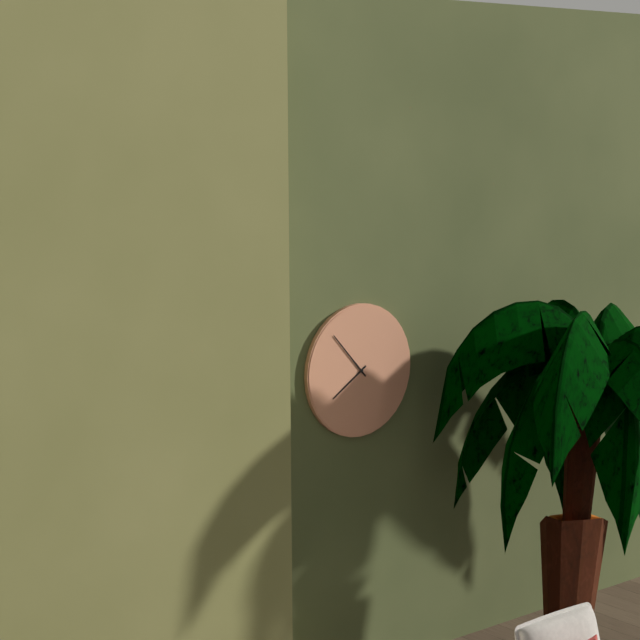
7:53
